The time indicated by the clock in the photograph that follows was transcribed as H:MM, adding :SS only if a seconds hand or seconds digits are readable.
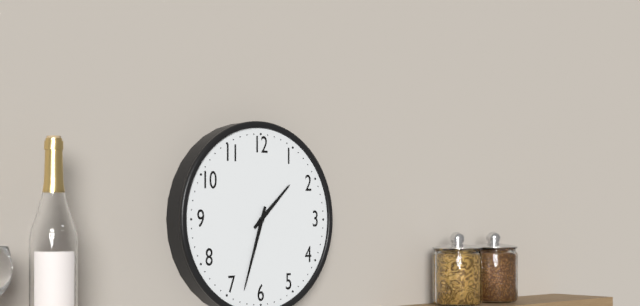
1:33
